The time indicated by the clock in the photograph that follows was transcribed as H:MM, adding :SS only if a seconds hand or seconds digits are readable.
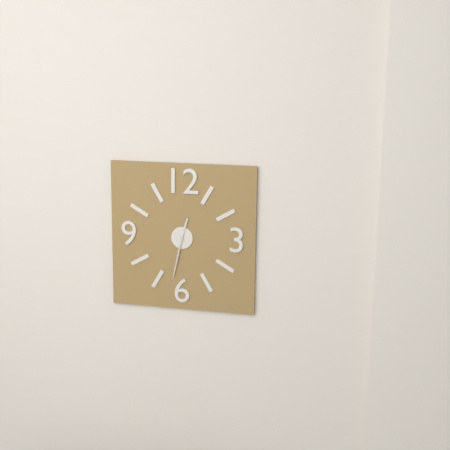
12:32
